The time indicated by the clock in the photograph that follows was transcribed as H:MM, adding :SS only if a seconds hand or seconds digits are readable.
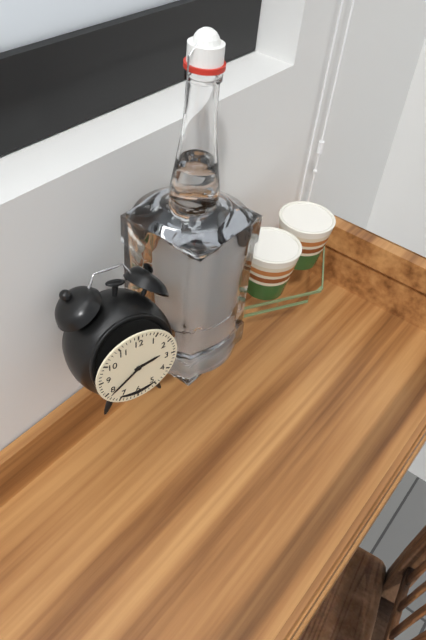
2:39
